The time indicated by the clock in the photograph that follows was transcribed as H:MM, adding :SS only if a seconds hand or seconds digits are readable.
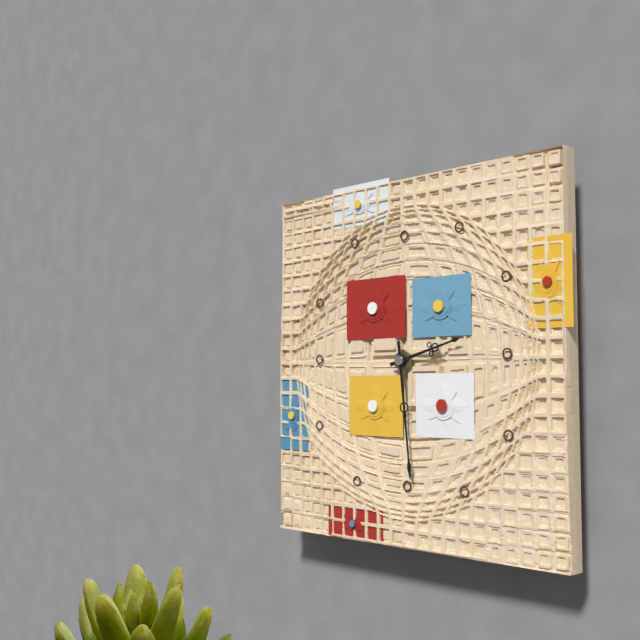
2:29
